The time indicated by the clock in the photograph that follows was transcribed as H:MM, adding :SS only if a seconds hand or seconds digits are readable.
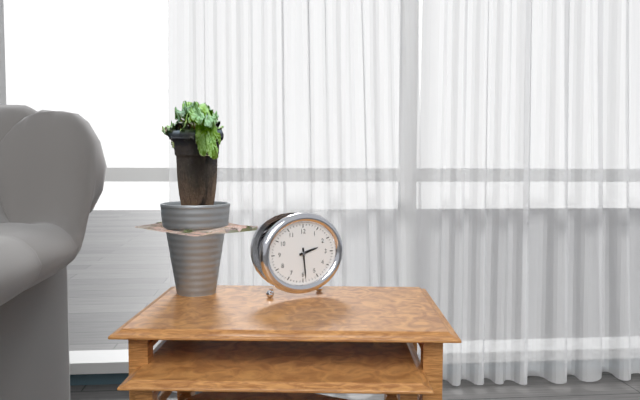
2:29
